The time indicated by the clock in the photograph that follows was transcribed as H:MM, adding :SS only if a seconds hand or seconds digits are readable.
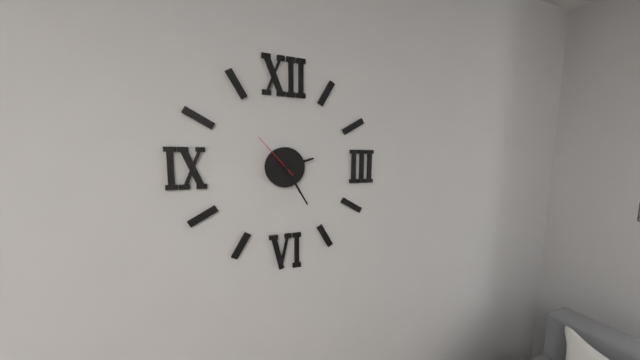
2:25:53
